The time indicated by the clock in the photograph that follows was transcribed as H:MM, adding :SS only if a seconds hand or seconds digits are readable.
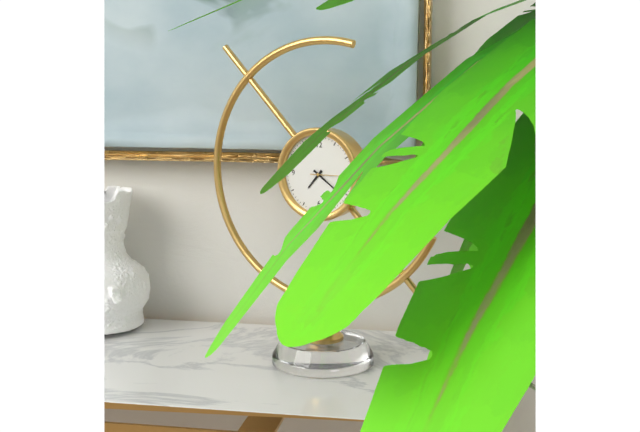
7:21
